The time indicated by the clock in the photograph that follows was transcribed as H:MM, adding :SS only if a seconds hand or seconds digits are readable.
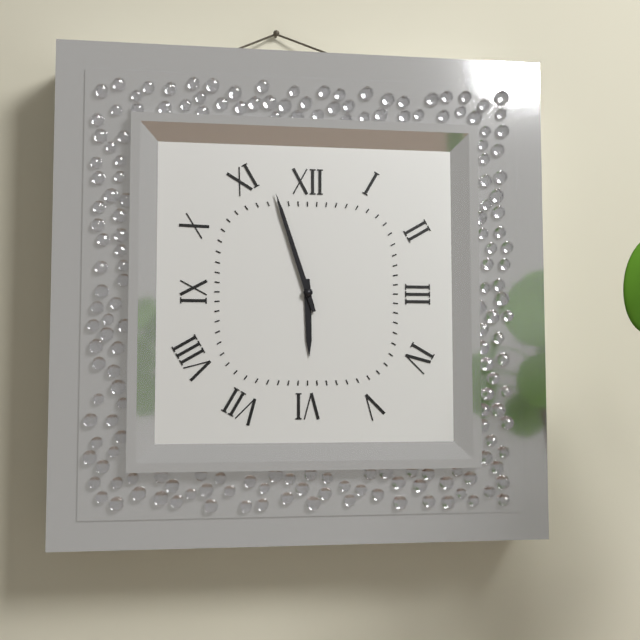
5:57
